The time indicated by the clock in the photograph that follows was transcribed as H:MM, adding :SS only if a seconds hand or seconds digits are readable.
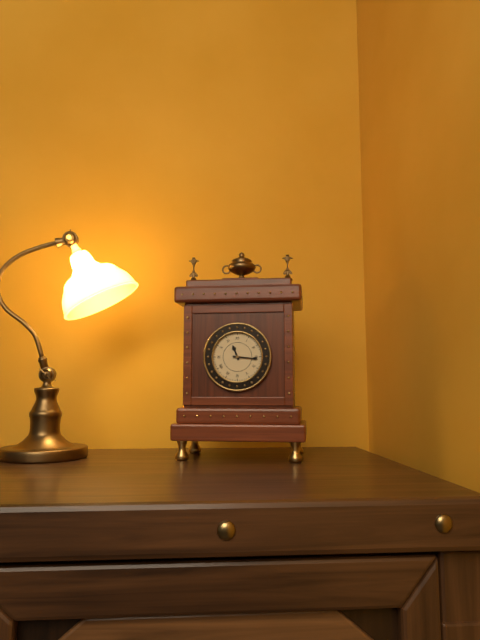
11:16
